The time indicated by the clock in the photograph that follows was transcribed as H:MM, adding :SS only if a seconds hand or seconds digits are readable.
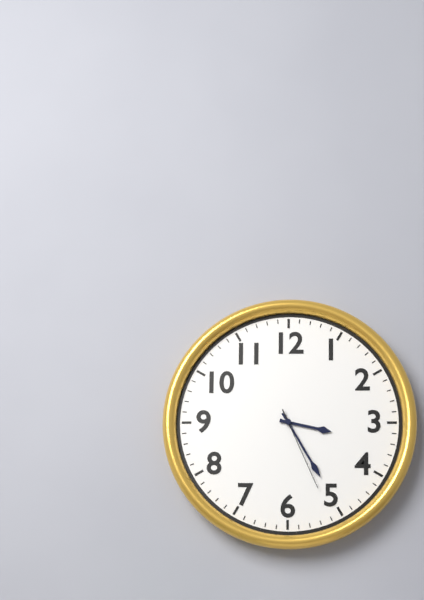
3:25:26
